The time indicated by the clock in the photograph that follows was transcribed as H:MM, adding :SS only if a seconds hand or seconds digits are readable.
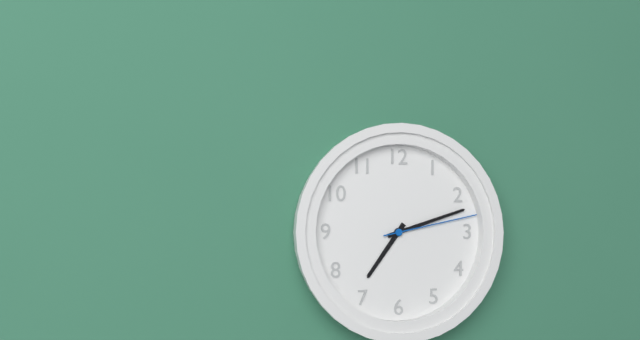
7:12:13
